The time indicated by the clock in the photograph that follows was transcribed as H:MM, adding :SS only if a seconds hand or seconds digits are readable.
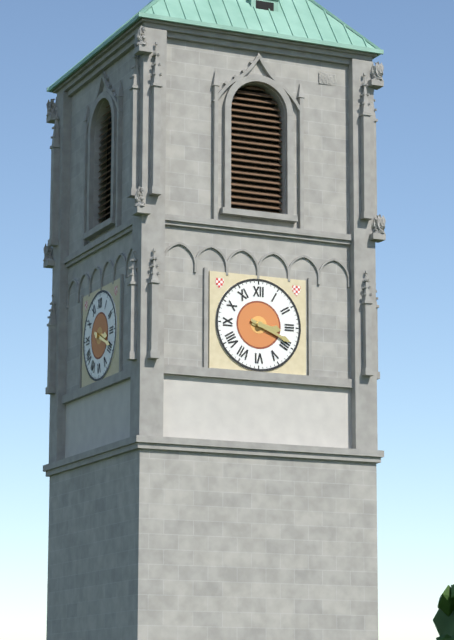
3:19
